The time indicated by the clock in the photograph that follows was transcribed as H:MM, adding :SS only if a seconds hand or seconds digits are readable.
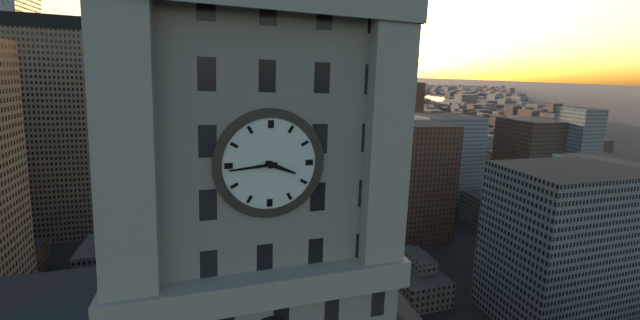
3:44
